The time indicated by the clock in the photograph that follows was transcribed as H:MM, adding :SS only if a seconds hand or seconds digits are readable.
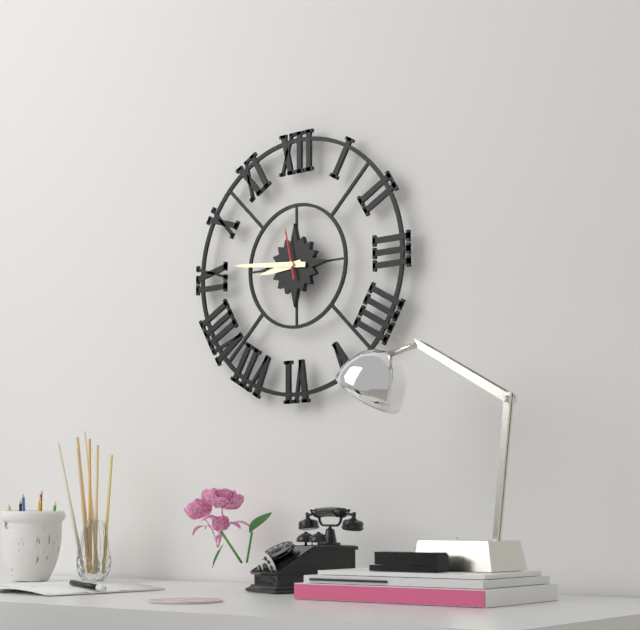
8:46
